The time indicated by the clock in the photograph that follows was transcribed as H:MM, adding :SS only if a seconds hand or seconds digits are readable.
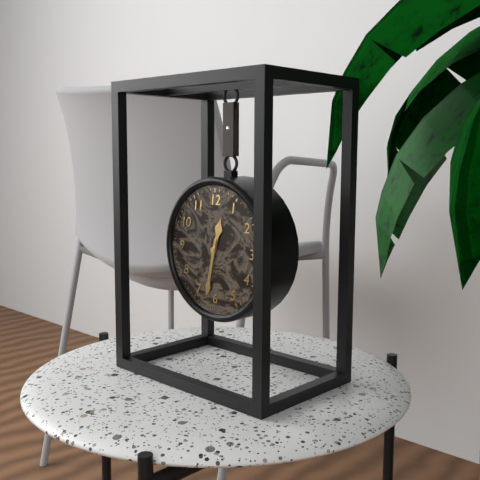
12:32
